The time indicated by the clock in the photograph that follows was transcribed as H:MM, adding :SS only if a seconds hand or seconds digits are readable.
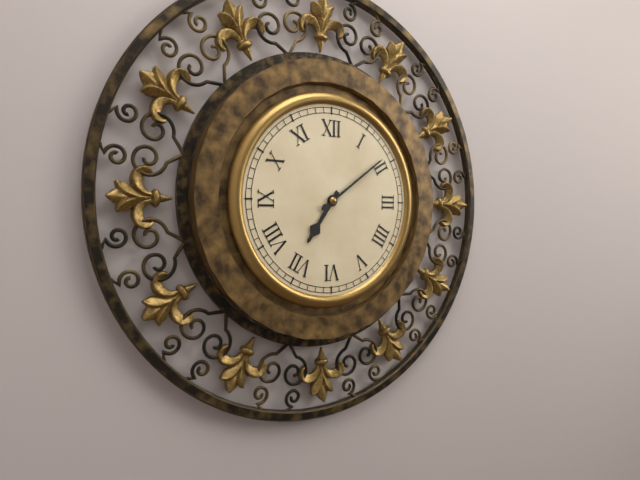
7:09
